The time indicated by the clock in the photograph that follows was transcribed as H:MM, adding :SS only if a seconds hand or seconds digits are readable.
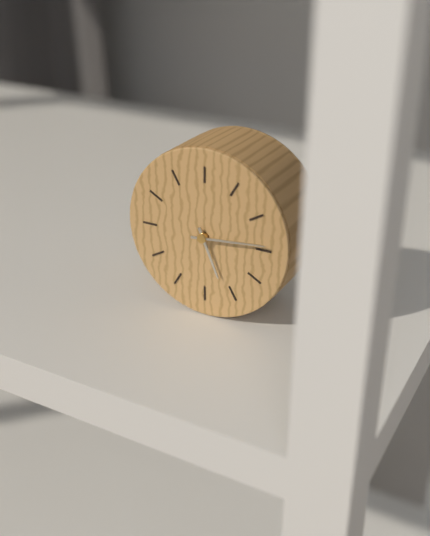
5:14
